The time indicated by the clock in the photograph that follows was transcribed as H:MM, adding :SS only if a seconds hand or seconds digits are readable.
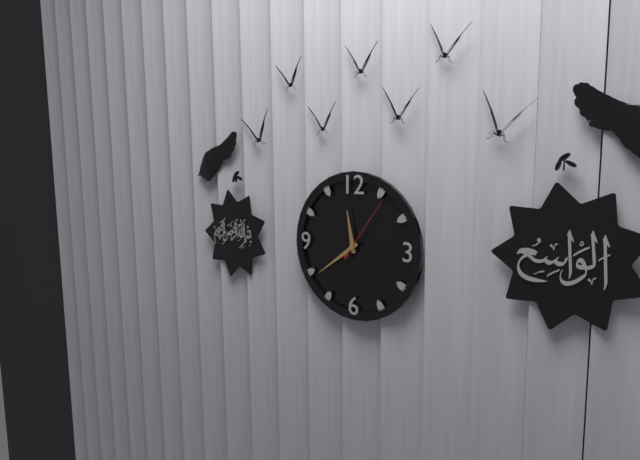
11:39:06
